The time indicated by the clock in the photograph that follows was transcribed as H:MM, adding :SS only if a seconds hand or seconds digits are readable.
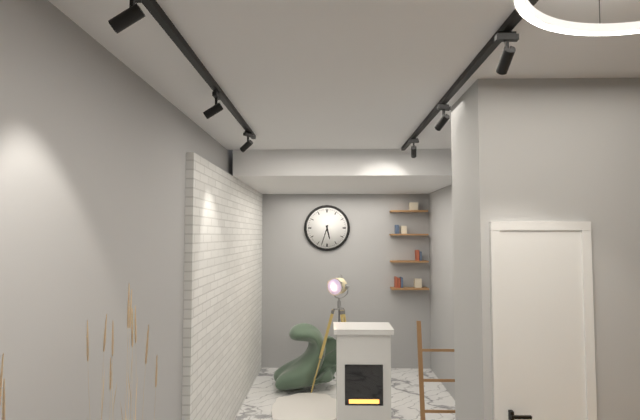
5:33
